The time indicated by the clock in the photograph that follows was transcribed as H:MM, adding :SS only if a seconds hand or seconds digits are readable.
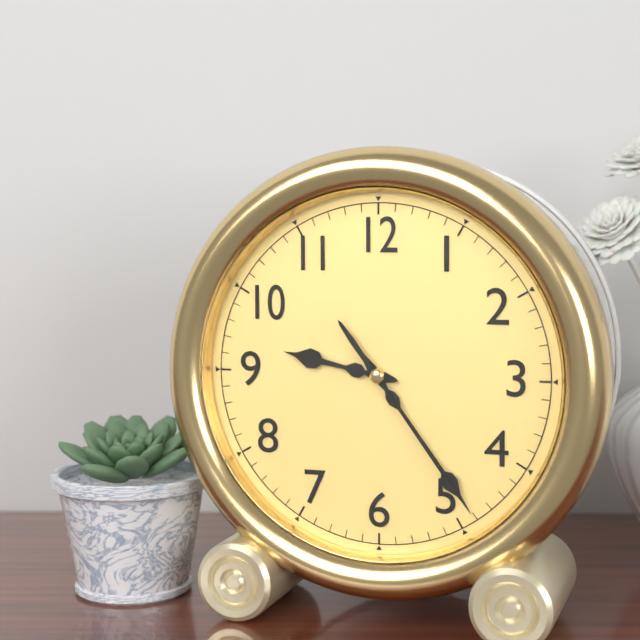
9:24:24
